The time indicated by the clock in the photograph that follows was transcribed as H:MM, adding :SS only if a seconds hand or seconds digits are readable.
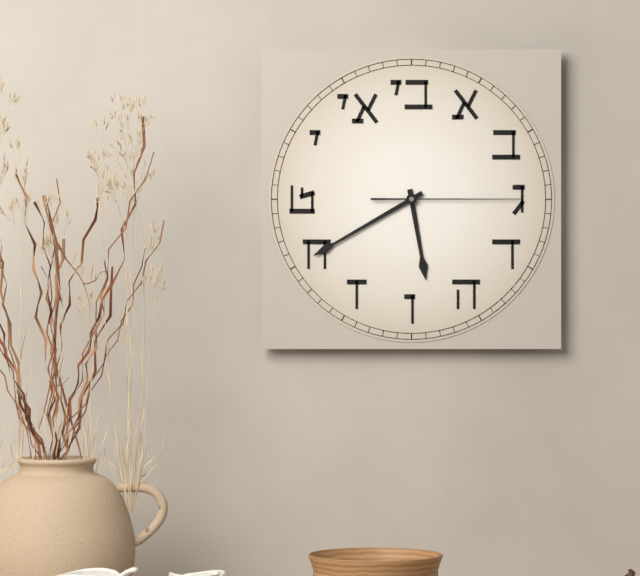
5:40:15
